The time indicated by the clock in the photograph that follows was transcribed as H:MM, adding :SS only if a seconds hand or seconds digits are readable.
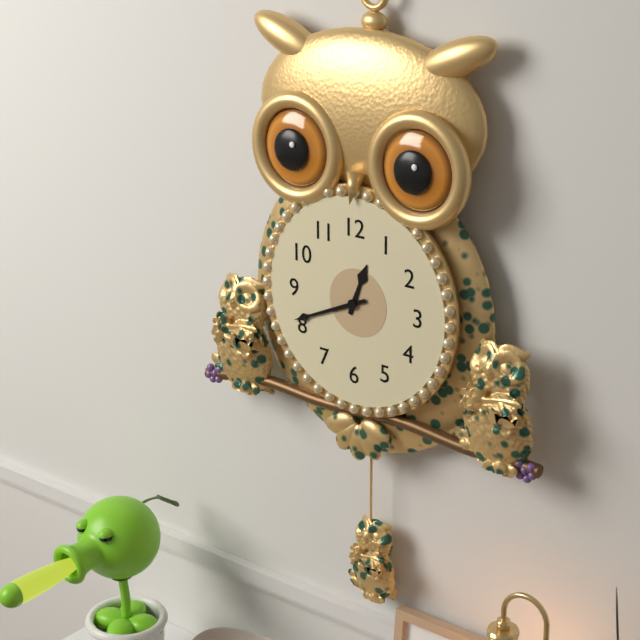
12:41
